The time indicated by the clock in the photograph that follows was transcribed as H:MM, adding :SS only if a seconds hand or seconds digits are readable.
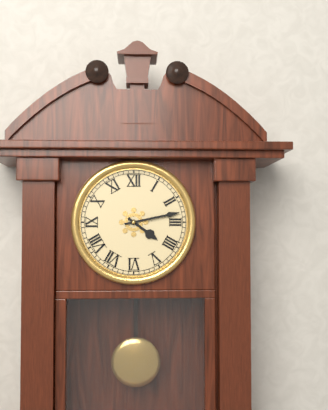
4:13
